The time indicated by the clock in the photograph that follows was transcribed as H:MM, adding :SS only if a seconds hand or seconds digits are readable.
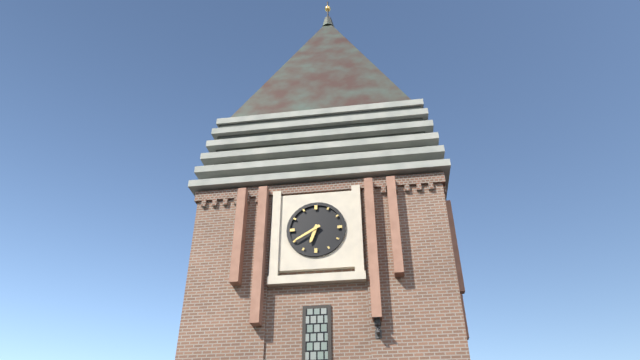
6:40
